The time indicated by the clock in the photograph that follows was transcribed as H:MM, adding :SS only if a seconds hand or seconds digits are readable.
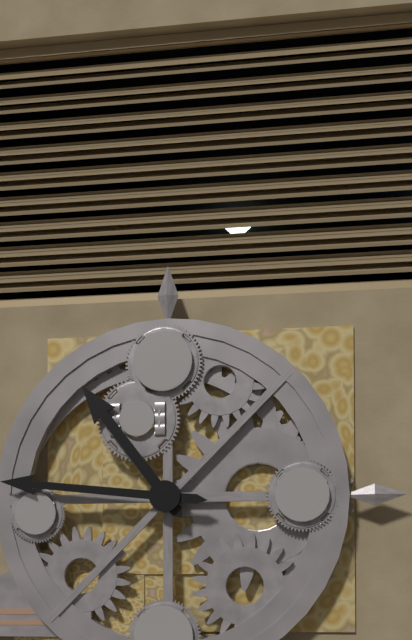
10:46
